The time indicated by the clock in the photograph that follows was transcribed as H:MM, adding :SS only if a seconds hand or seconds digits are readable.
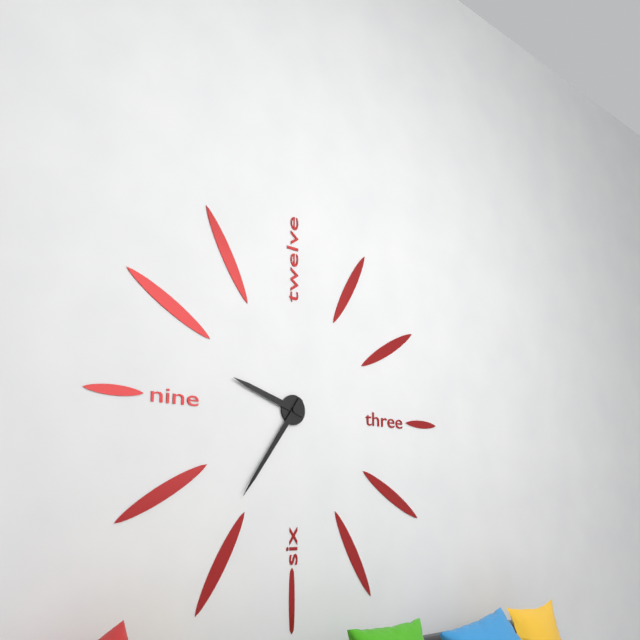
9:36
